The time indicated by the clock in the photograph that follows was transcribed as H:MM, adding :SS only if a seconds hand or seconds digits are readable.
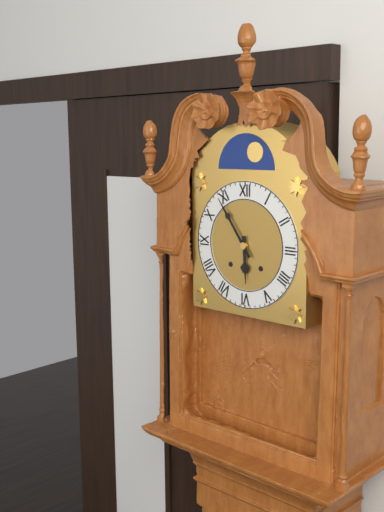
5:54
